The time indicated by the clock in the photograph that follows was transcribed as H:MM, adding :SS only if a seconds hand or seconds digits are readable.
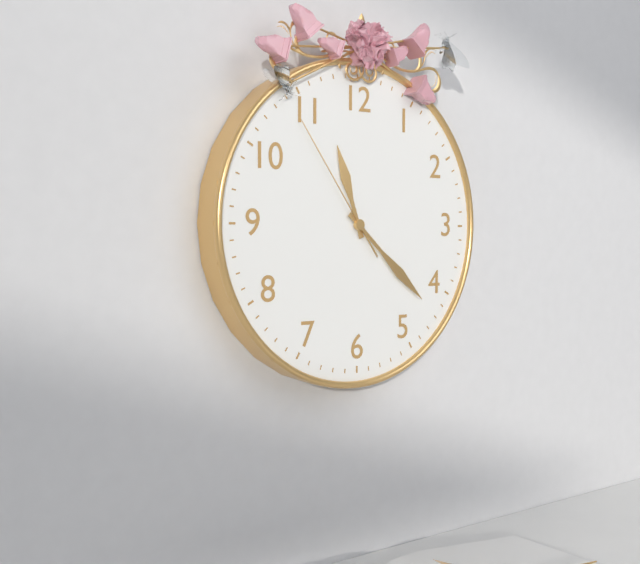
11:22:54
